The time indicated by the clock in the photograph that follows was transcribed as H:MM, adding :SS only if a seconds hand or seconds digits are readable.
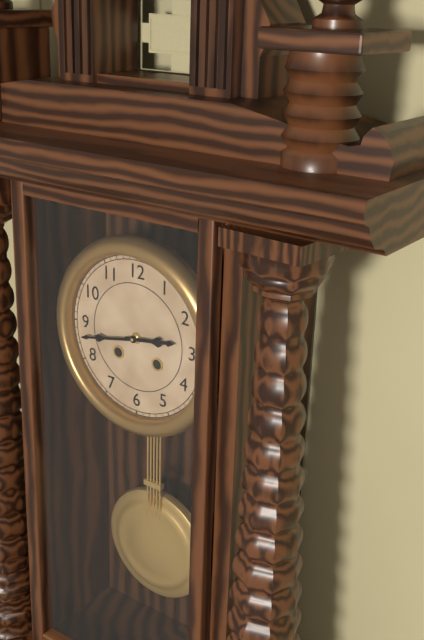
2:43
